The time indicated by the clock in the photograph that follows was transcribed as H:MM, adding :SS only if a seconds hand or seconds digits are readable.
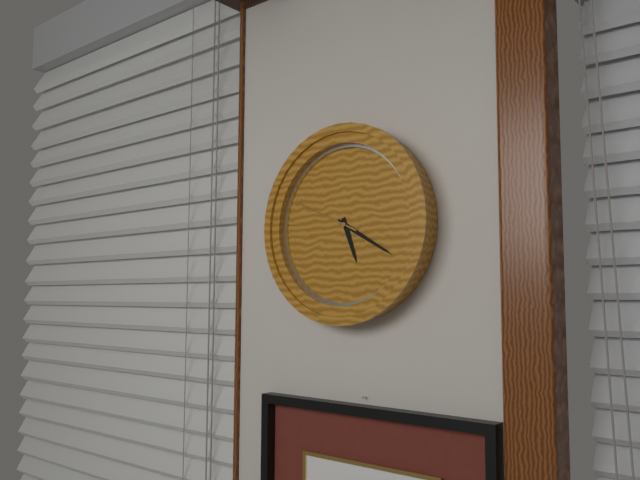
5:20:49
